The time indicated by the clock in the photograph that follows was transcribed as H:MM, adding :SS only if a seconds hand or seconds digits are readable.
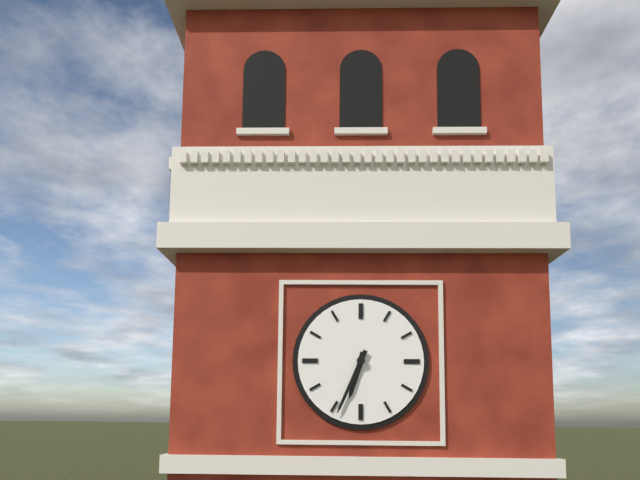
6:34
